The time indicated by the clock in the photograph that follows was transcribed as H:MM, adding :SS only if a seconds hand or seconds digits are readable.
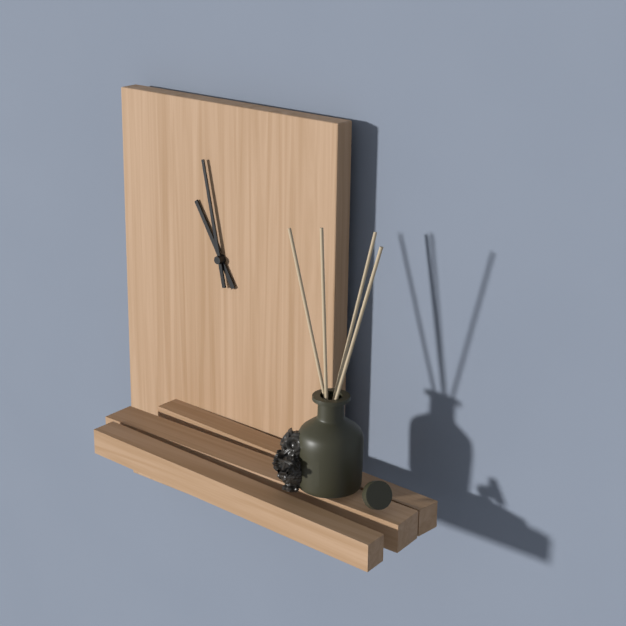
10:58
